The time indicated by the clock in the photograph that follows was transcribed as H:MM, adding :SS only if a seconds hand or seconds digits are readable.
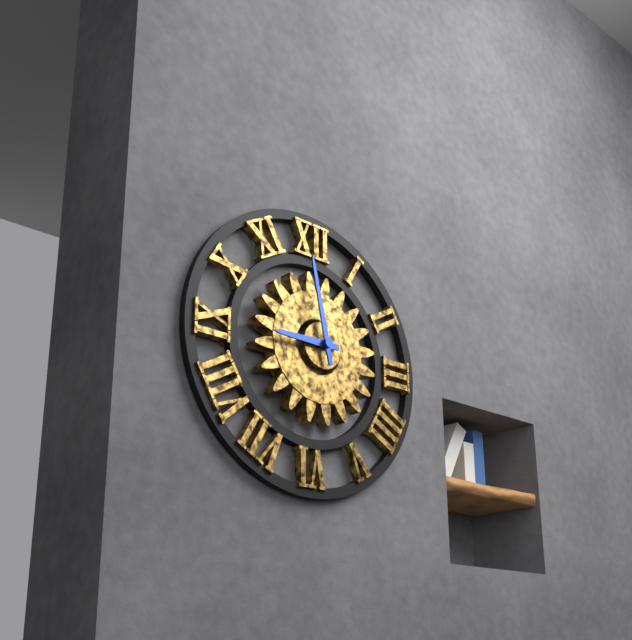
8:58
